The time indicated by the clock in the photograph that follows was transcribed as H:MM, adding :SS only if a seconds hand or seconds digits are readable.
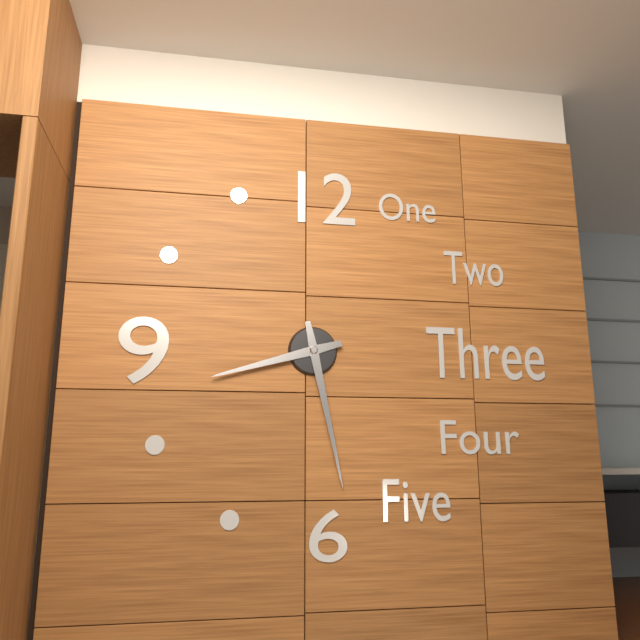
8:28
